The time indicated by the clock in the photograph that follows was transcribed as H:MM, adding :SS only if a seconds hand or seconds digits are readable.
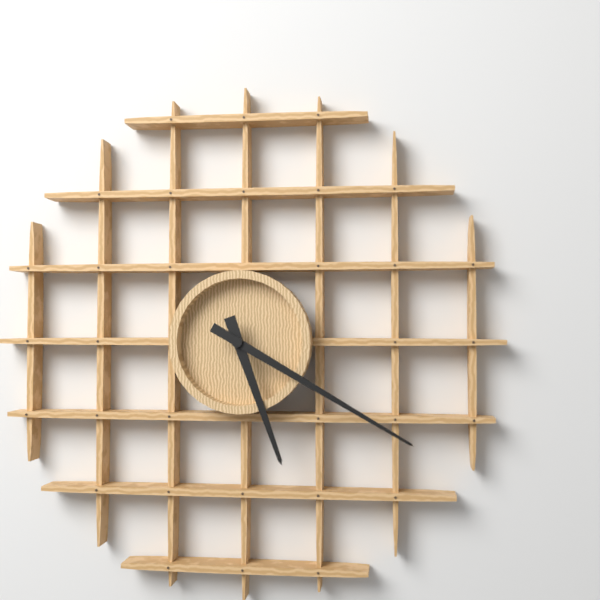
5:20
